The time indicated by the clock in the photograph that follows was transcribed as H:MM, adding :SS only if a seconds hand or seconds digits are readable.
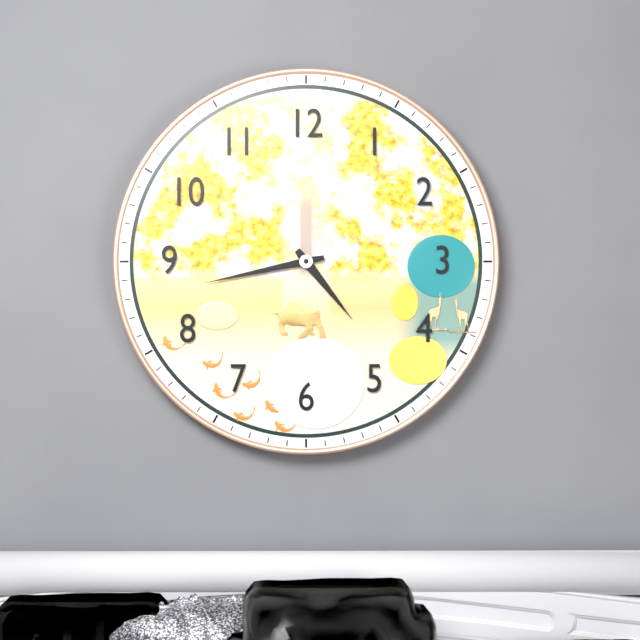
4:43
